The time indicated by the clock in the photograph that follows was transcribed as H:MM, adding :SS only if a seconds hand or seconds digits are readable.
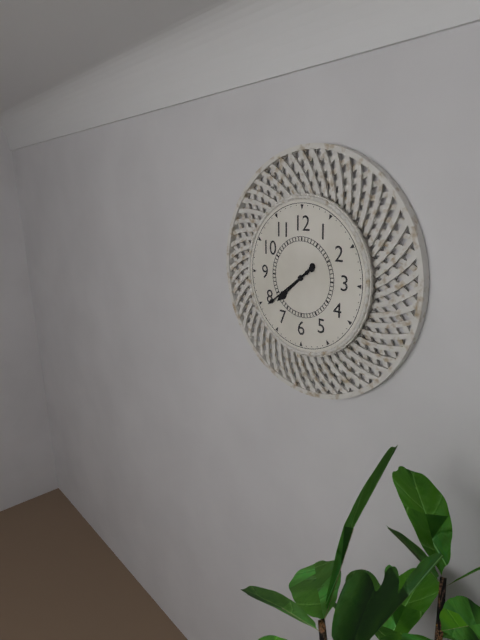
7:39
